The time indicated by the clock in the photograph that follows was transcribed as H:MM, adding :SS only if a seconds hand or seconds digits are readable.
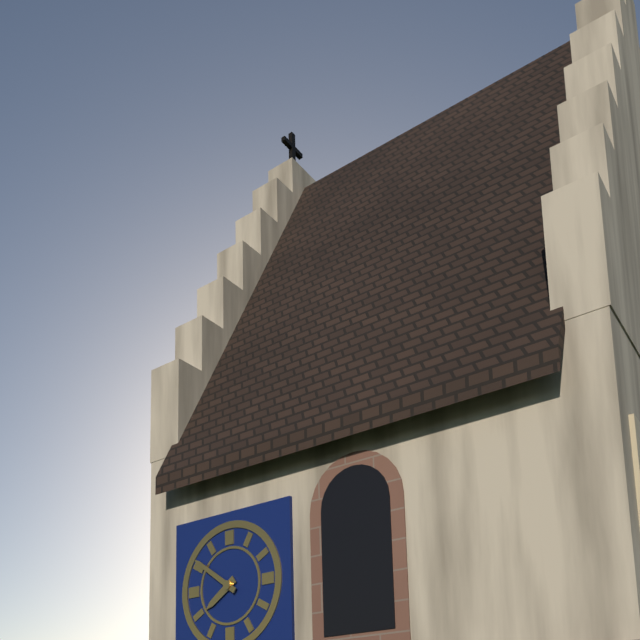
7:51
